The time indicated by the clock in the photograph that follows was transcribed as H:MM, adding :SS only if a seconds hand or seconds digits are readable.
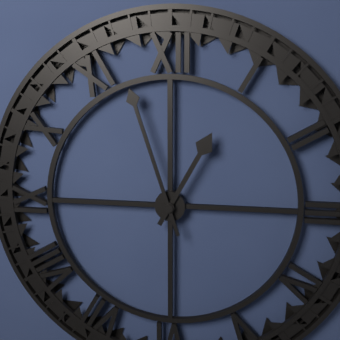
12:57
